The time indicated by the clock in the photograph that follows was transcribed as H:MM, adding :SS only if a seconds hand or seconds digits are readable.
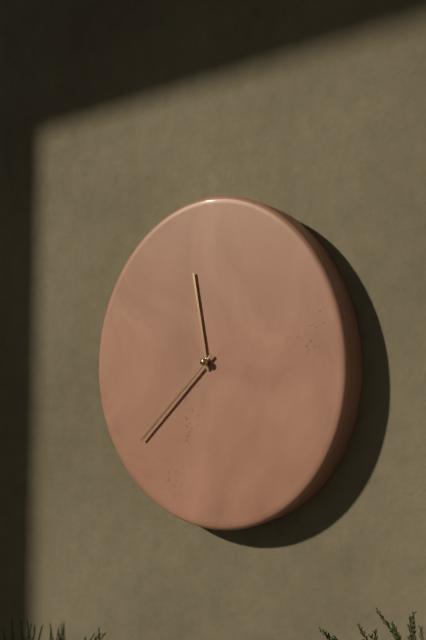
11:38
